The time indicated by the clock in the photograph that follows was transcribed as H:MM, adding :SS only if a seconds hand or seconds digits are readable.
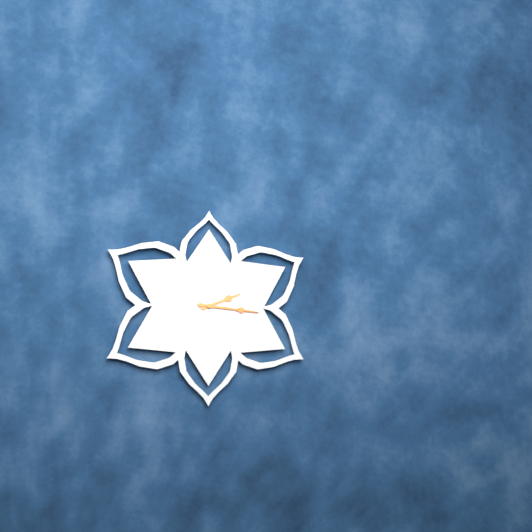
2:16
